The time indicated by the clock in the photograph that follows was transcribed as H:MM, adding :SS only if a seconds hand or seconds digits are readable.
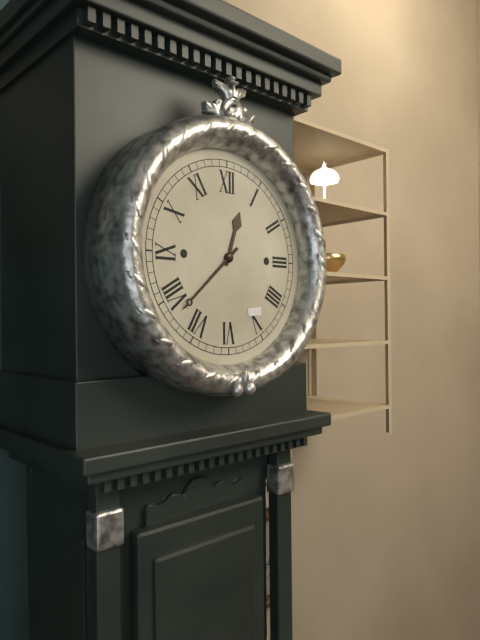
12:38
